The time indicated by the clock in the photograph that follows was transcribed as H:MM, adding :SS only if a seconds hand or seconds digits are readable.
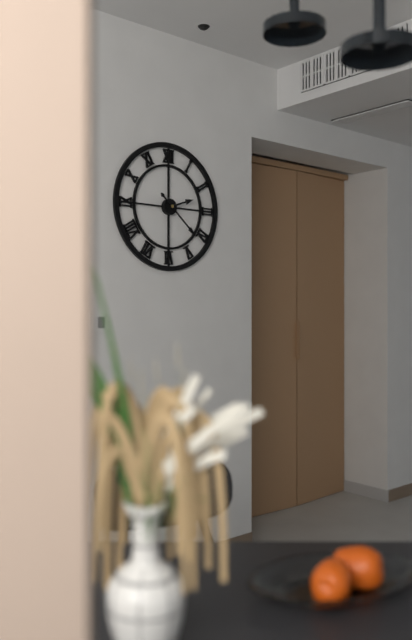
2:22
